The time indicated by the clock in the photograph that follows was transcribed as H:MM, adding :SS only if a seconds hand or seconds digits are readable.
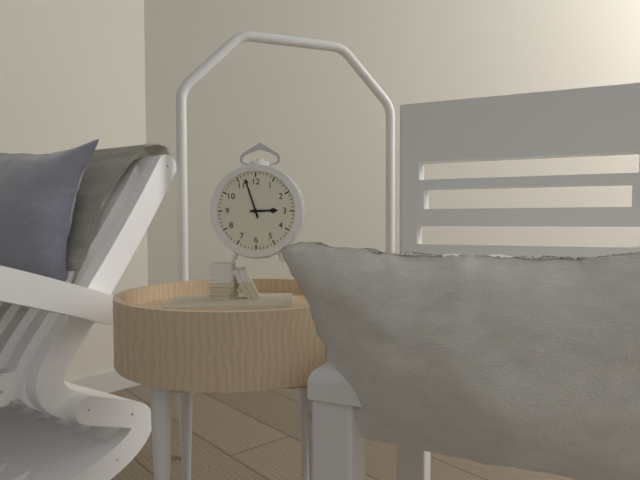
2:57
